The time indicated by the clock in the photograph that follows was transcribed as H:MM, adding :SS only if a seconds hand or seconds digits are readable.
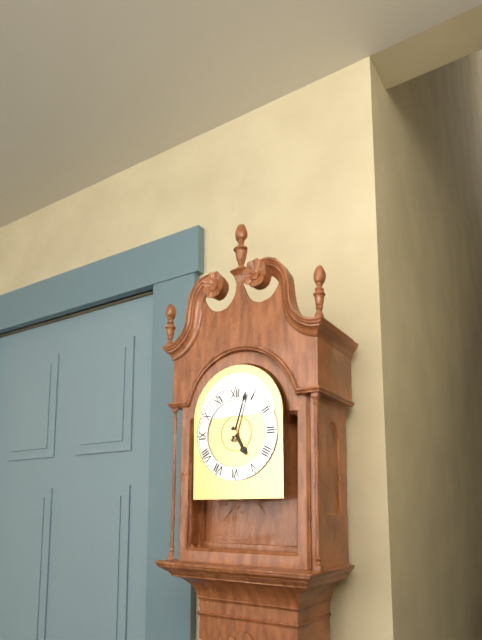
5:03
